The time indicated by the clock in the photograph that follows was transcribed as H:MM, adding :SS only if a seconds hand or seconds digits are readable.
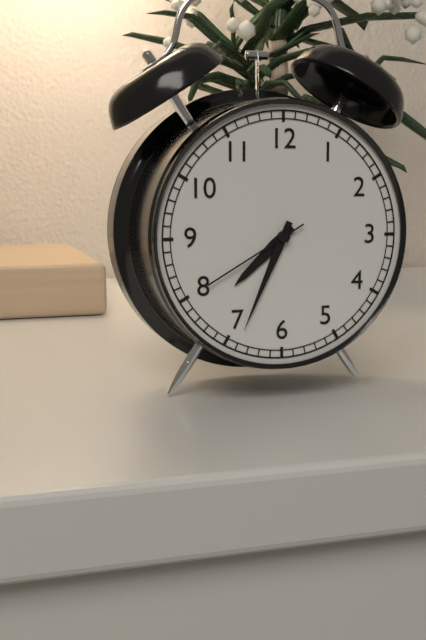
7:34:40
